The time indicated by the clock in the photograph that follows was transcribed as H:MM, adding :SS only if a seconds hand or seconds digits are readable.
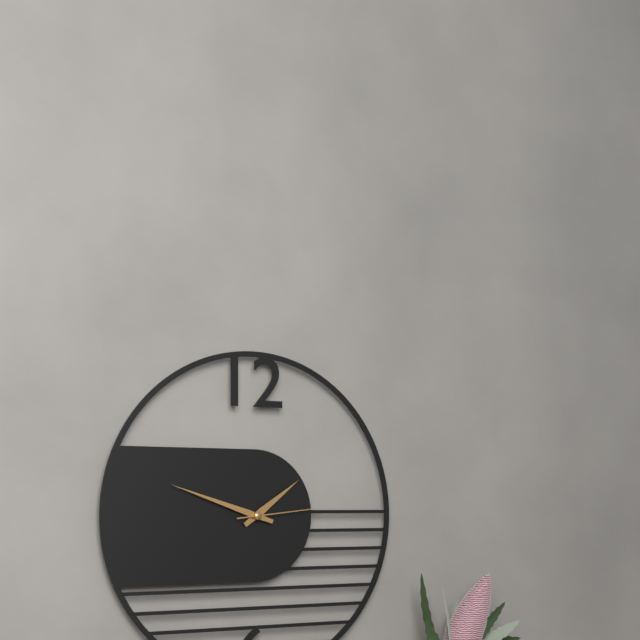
1:48:14
